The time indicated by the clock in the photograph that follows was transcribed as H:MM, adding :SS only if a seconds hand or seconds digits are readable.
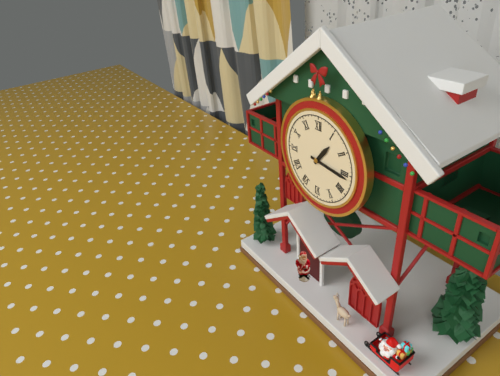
1:16
